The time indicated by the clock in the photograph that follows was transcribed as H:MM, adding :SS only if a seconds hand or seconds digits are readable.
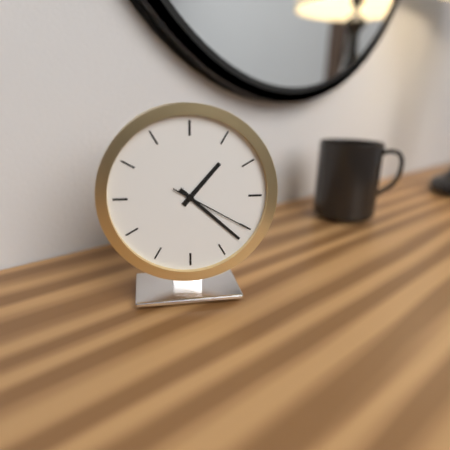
1:22:20
